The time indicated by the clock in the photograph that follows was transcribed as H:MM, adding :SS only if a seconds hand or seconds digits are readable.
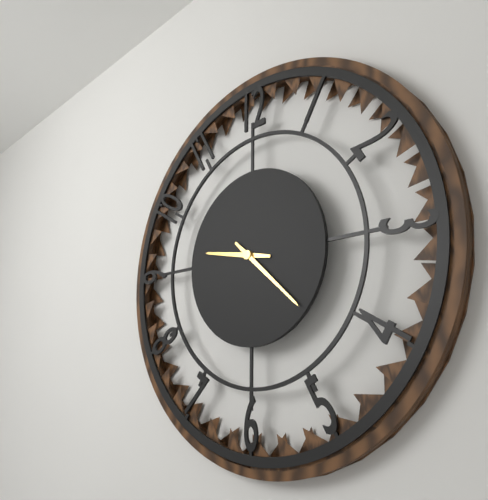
9:22
